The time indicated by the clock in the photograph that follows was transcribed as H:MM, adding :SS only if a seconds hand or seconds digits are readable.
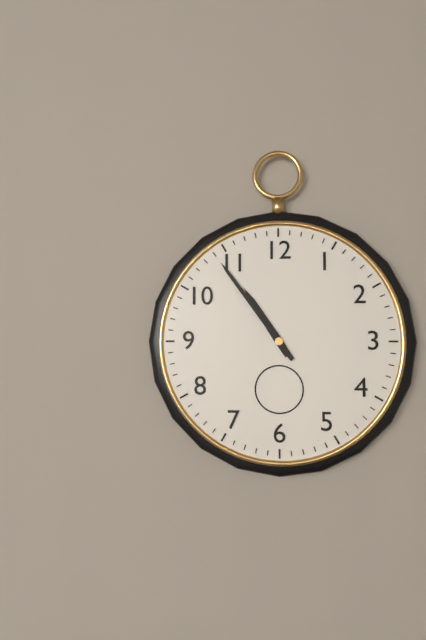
10:54
